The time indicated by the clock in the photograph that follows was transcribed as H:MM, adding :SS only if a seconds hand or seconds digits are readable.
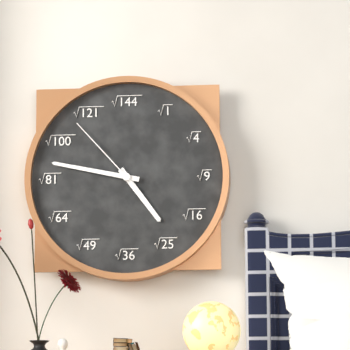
4:47:53
